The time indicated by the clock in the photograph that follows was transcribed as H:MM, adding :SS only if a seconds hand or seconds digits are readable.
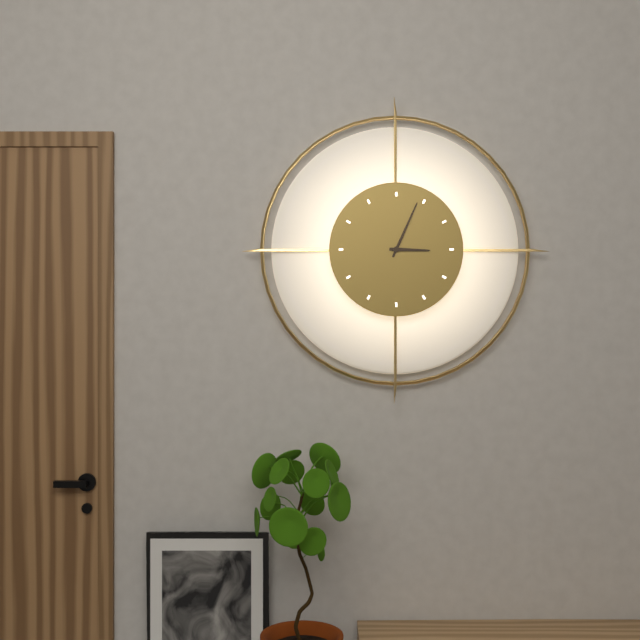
3:04
